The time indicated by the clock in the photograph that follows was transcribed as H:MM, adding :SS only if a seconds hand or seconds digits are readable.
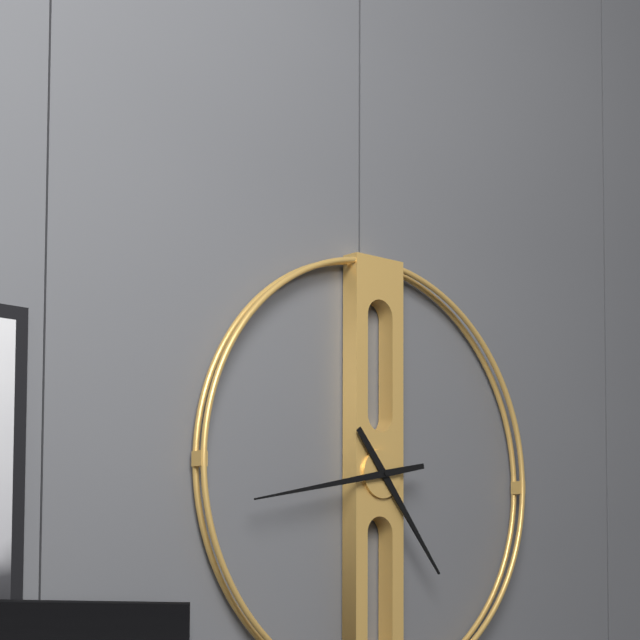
4:43
